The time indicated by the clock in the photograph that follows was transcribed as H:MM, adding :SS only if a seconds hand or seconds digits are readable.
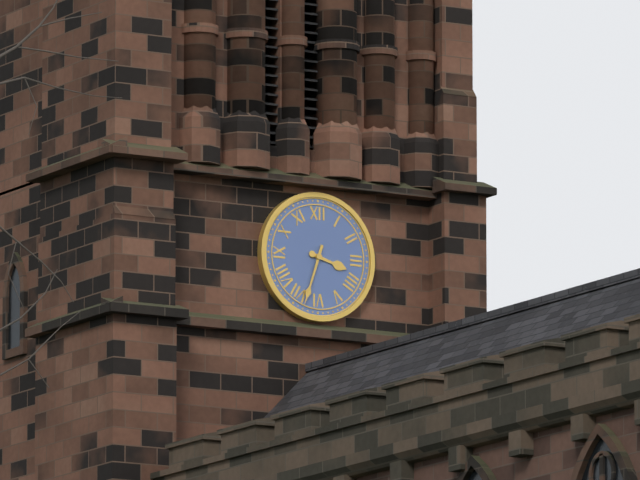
3:33
